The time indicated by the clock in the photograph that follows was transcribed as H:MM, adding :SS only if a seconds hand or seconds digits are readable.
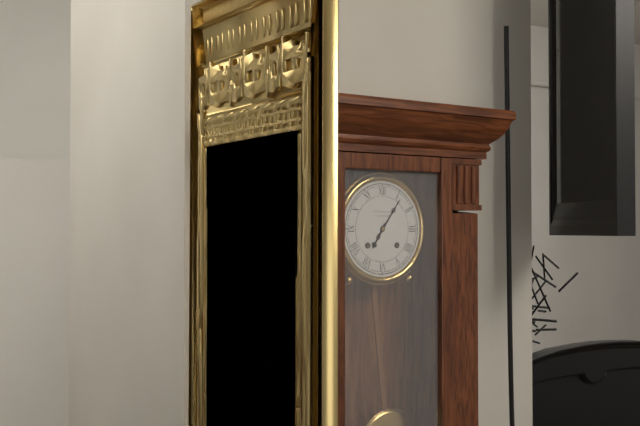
7:06
